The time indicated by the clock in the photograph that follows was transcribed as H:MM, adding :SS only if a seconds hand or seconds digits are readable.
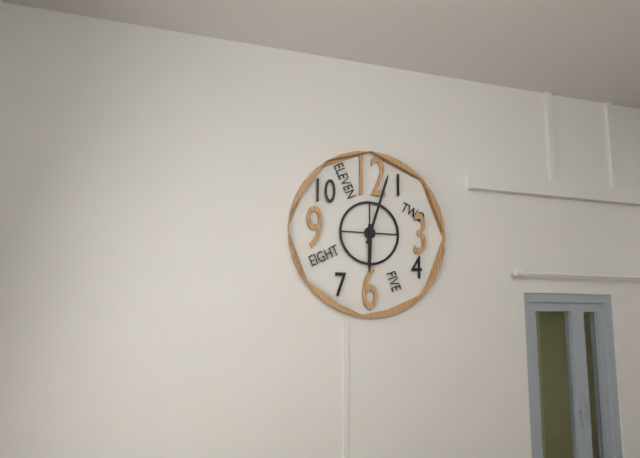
6:03
